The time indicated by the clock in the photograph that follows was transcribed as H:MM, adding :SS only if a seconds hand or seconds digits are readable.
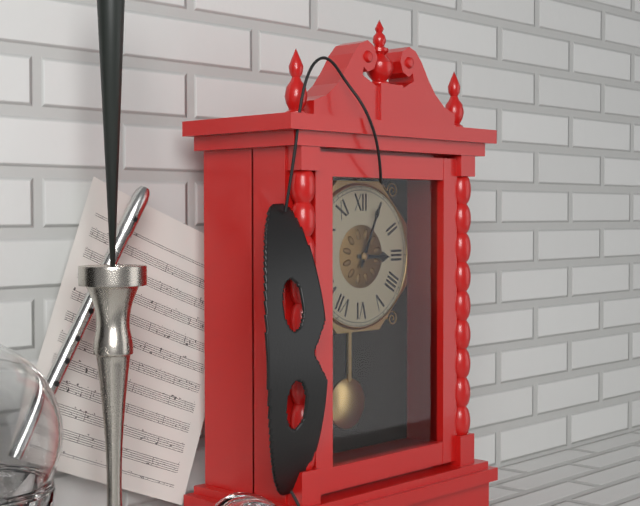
3:04
